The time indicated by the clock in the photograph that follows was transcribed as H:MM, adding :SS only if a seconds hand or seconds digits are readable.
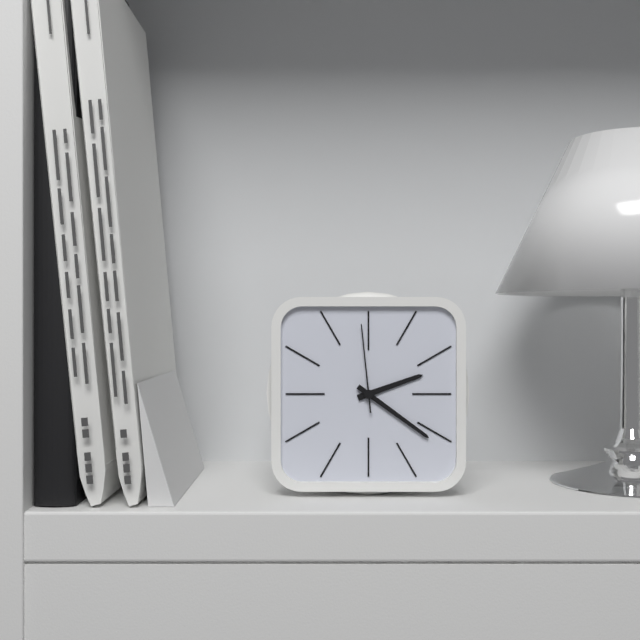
2:21:59
